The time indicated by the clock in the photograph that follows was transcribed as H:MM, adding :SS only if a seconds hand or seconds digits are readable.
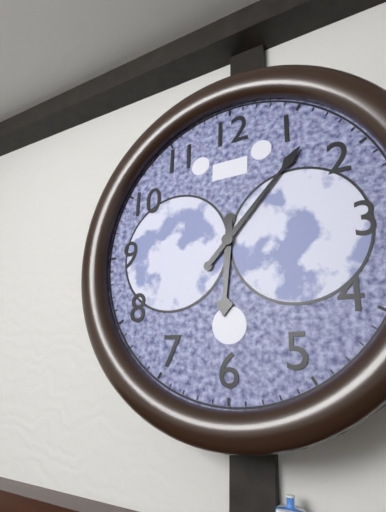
6:07
